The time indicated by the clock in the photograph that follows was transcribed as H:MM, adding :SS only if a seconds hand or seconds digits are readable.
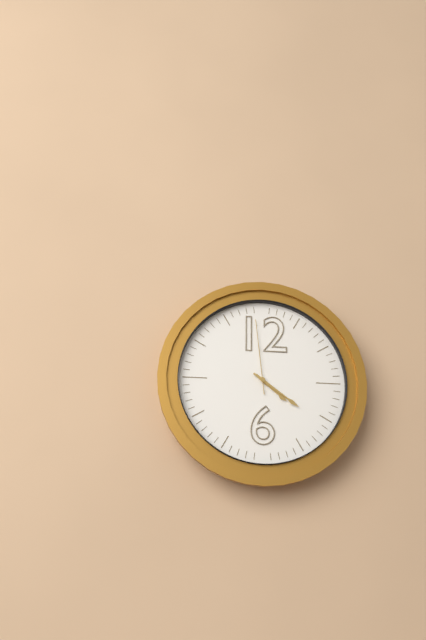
4:21:59
